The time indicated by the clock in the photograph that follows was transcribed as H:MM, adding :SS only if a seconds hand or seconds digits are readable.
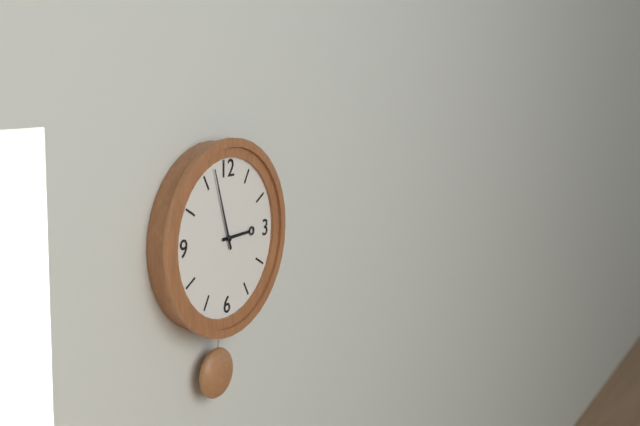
2:57
